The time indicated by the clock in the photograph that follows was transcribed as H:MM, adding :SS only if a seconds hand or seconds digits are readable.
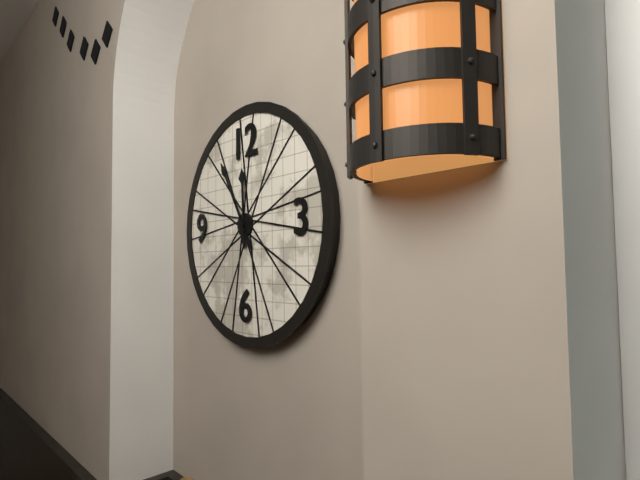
11:55
